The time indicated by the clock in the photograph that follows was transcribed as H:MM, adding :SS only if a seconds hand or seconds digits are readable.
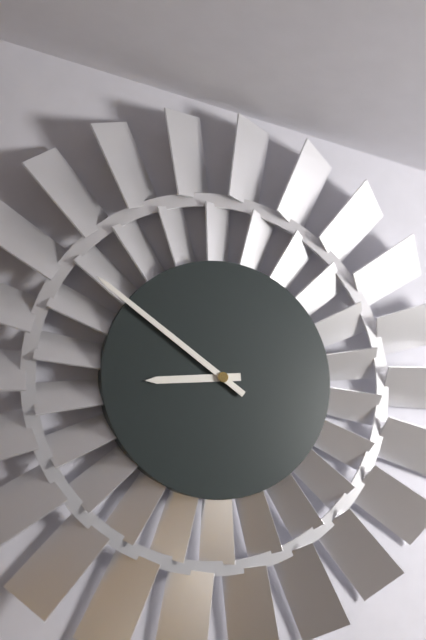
8:51
